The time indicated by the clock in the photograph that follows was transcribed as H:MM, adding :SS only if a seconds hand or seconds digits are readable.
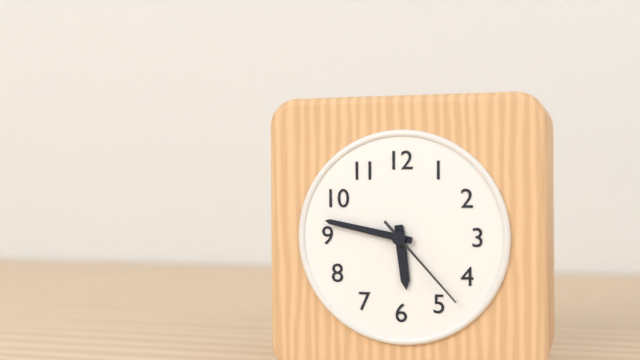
5:47:23
